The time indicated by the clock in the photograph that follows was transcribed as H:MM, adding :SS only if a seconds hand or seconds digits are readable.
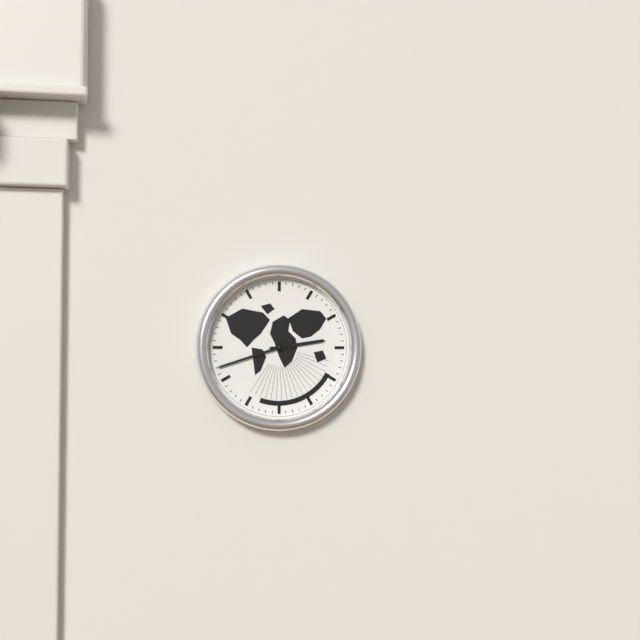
2:42
